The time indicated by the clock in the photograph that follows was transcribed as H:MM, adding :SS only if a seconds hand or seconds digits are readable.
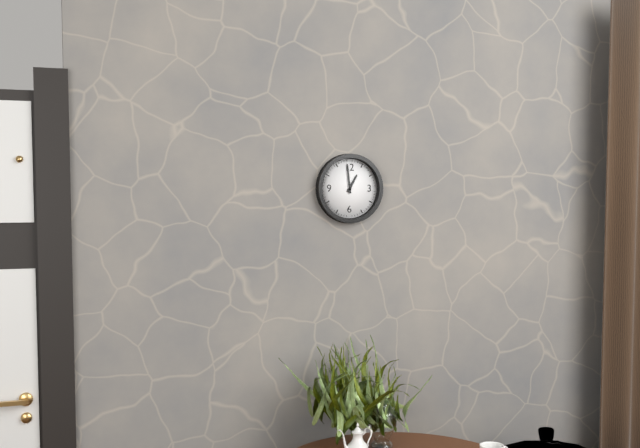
12:59
